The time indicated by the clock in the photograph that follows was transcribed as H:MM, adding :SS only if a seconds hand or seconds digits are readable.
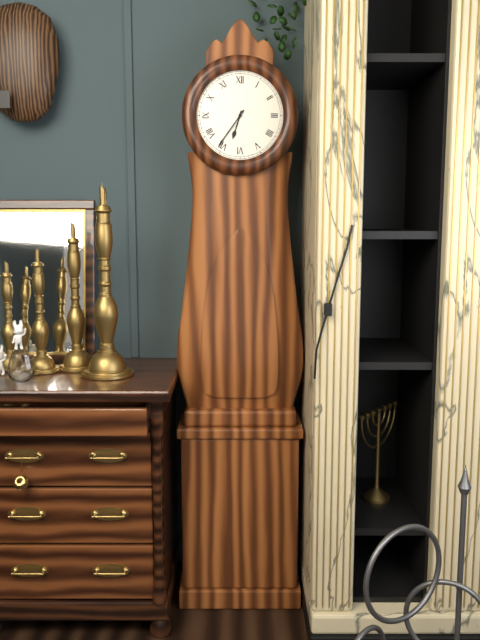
6:36
